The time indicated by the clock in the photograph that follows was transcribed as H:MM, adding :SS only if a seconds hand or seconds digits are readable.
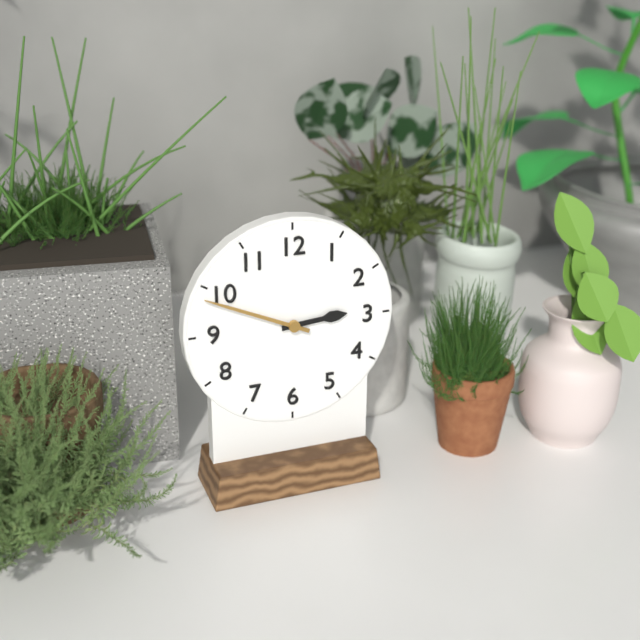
2:49
